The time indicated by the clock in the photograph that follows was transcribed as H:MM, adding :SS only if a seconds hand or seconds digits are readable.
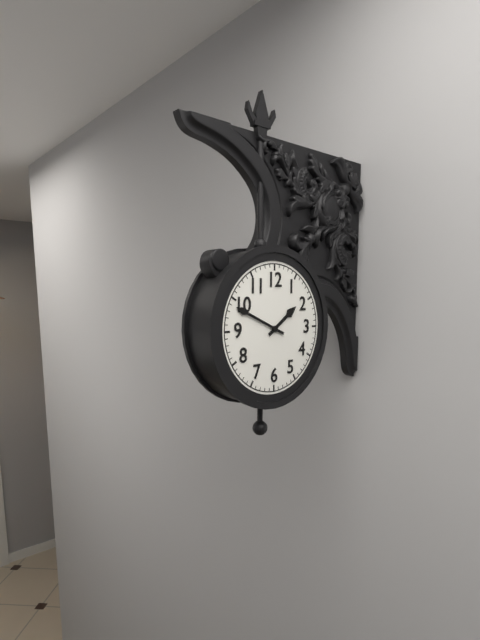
1:49
